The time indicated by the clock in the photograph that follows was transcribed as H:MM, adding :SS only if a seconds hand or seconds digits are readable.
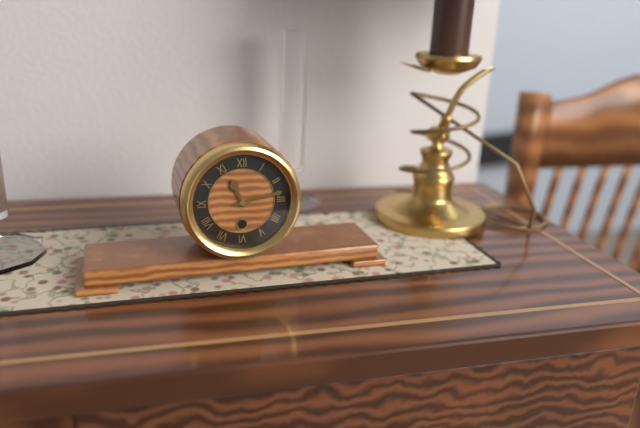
11:13
